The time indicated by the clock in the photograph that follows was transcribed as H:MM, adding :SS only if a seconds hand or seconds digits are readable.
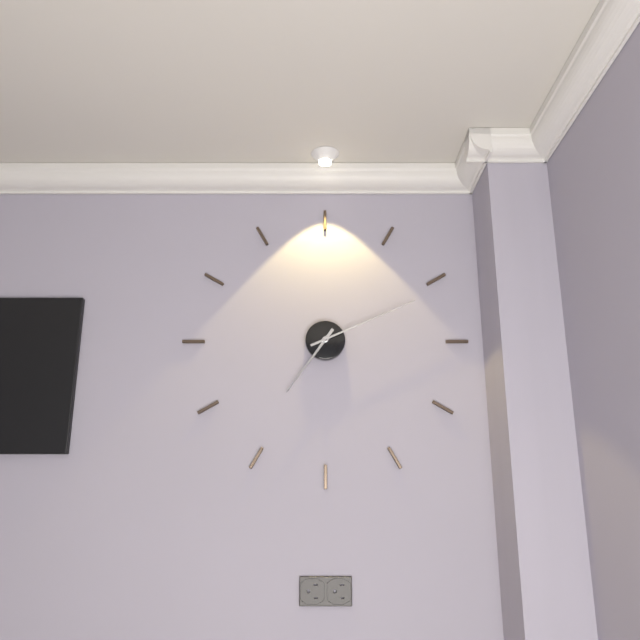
7:11
